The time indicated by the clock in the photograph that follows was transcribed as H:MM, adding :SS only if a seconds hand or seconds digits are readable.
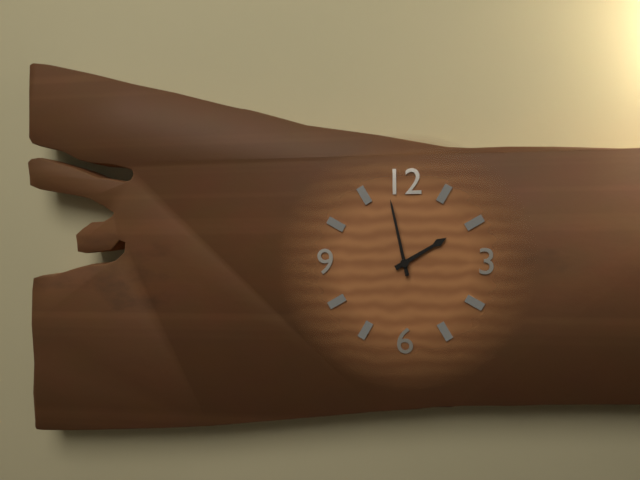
1:58
